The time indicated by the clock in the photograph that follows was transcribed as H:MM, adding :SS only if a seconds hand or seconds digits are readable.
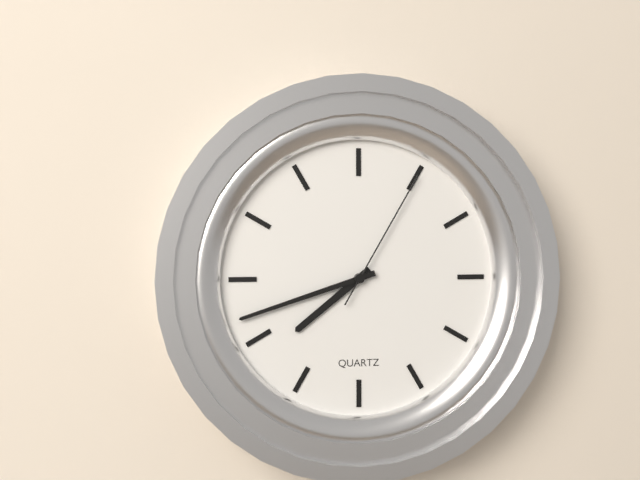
7:42:05
